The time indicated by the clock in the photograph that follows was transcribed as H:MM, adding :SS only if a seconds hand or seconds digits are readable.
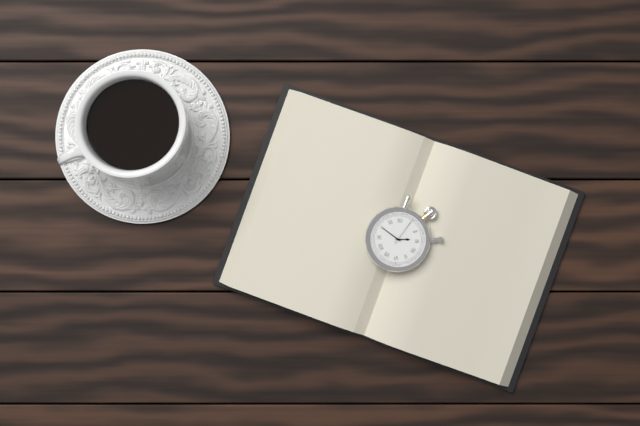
2:50
